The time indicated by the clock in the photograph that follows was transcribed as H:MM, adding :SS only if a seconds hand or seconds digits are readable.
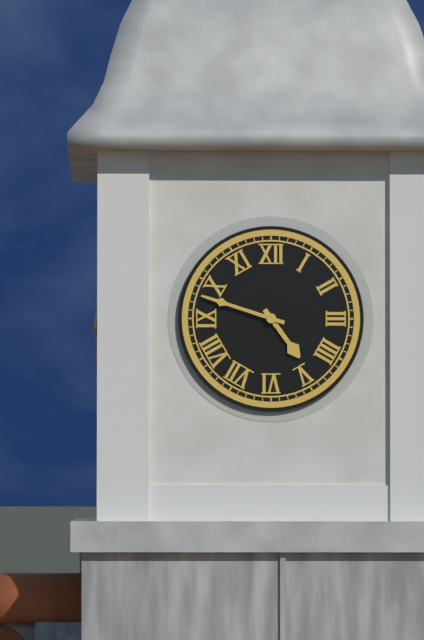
4:48
